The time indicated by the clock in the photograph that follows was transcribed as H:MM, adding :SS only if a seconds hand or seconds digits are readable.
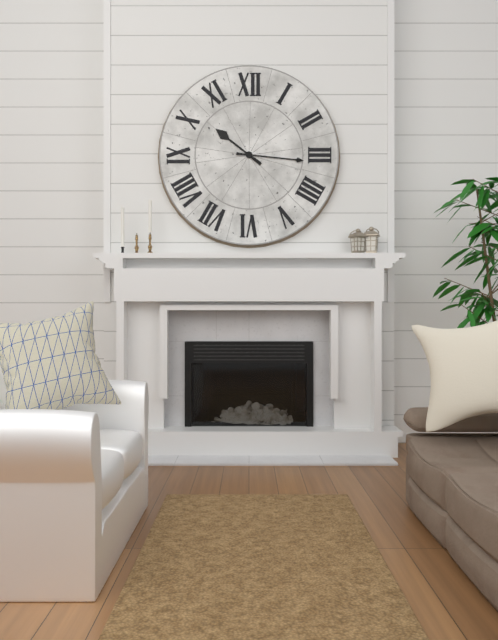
10:16
